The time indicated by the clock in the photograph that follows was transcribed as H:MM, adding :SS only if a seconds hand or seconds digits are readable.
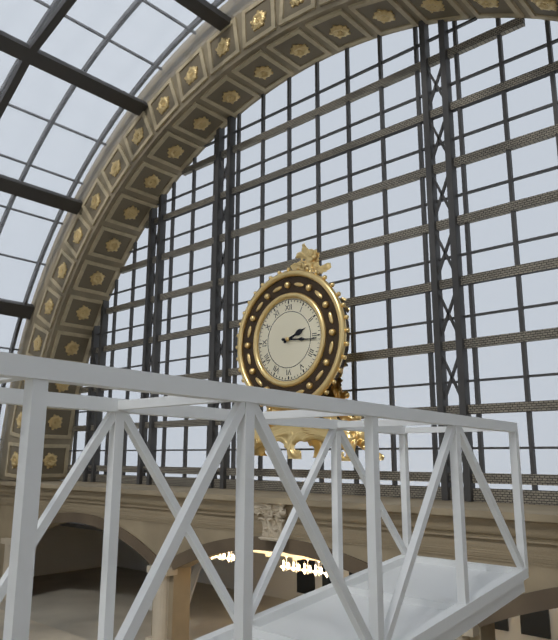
2:16
